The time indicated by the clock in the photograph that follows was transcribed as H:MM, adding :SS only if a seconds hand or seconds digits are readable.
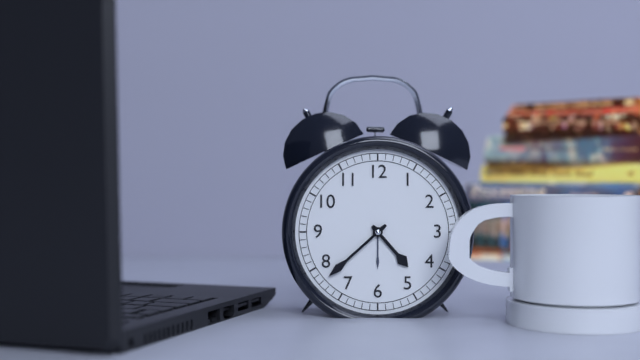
4:38
